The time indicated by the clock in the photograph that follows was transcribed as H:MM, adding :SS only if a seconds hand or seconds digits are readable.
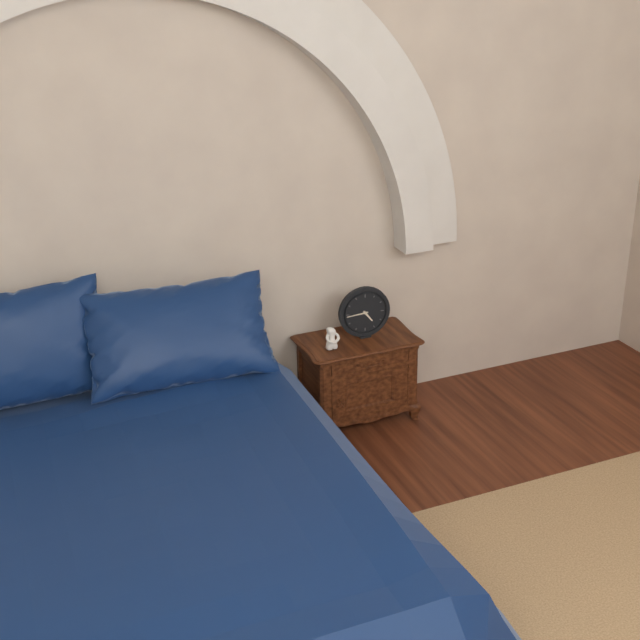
4:44
